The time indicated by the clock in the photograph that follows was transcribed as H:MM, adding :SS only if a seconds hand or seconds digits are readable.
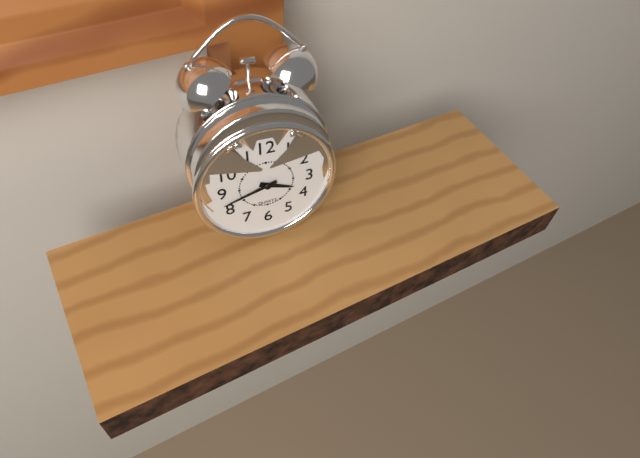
3:42
